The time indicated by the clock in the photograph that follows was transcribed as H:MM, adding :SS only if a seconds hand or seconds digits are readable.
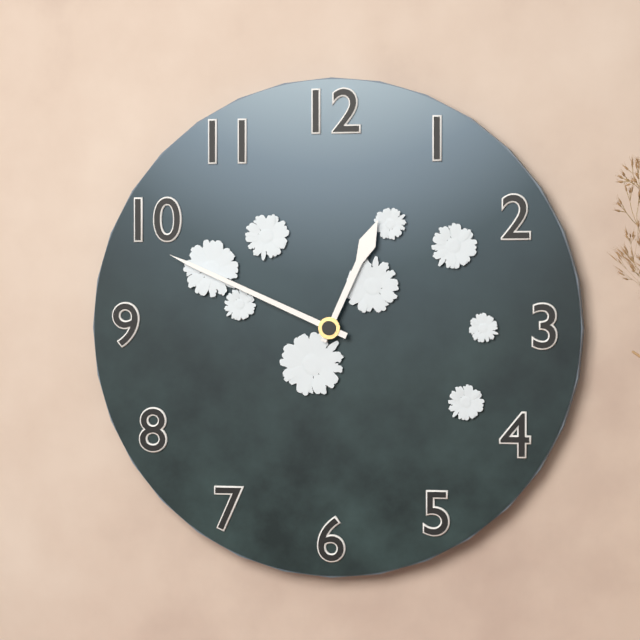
12:49
